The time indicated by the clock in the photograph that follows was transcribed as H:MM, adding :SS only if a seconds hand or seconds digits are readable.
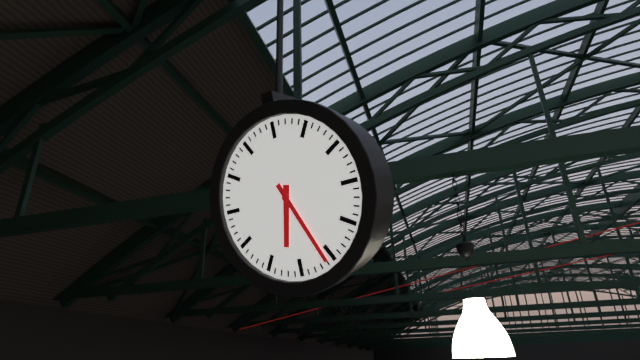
6:26
